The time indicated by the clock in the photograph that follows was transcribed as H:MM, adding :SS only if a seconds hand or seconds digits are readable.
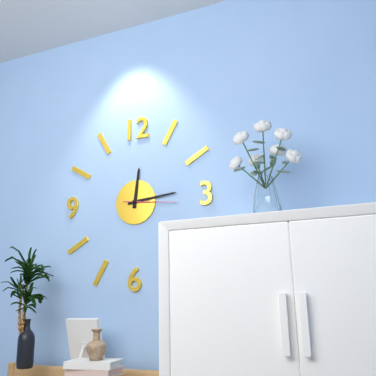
12:14:16
